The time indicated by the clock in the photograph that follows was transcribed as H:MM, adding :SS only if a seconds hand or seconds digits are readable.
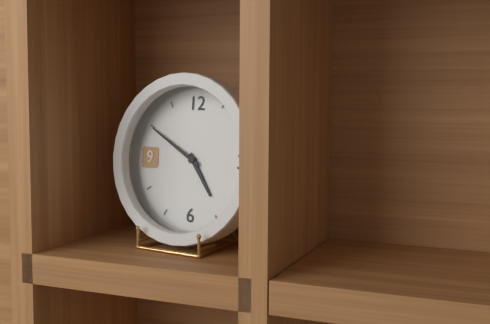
4:50
